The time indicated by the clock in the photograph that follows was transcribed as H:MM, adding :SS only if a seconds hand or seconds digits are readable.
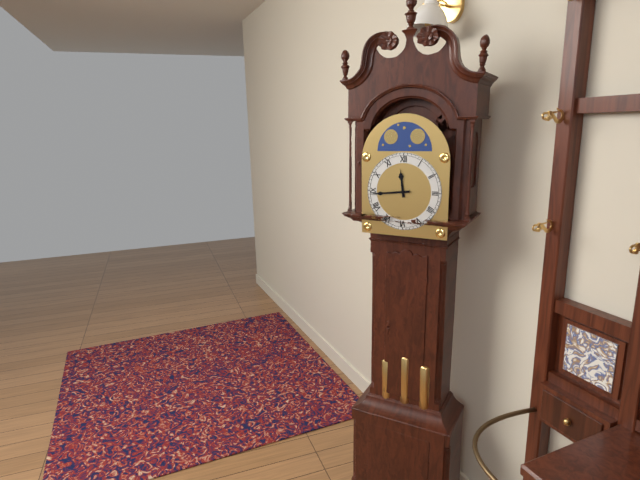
11:44
